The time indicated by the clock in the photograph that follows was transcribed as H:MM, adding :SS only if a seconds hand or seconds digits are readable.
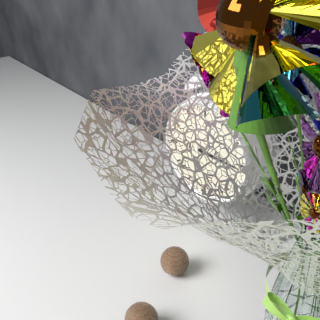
3:16
